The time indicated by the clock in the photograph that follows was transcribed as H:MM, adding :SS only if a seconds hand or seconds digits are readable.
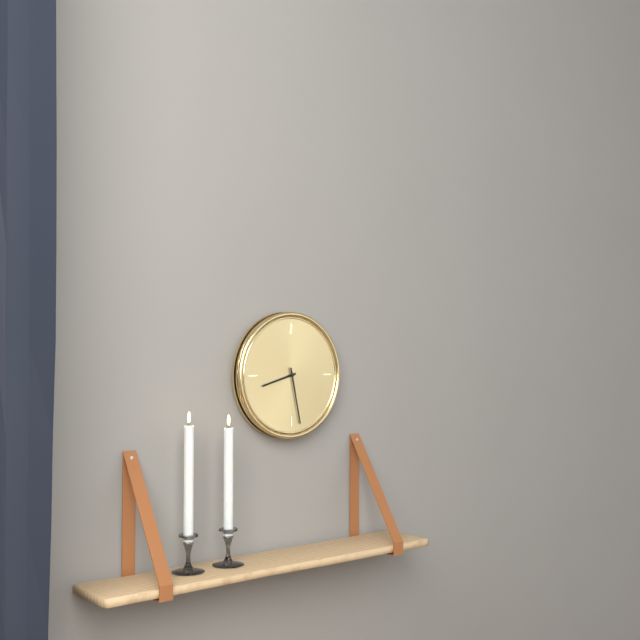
8:28
